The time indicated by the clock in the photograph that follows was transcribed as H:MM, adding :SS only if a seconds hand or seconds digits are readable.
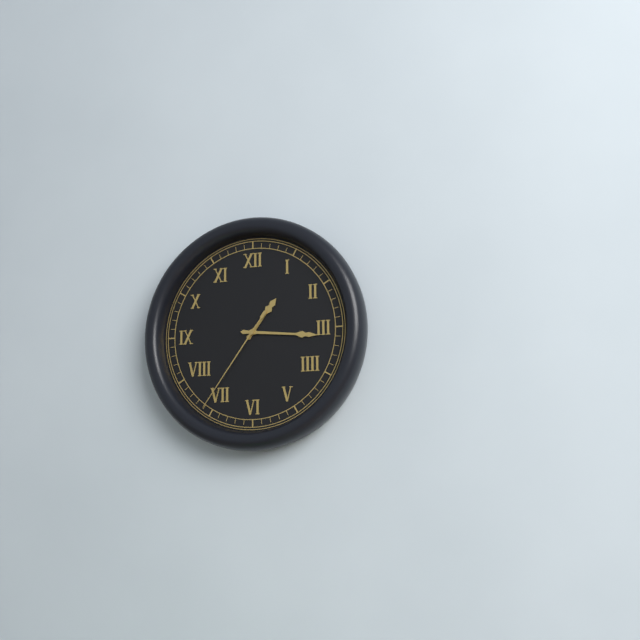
1:16:36
